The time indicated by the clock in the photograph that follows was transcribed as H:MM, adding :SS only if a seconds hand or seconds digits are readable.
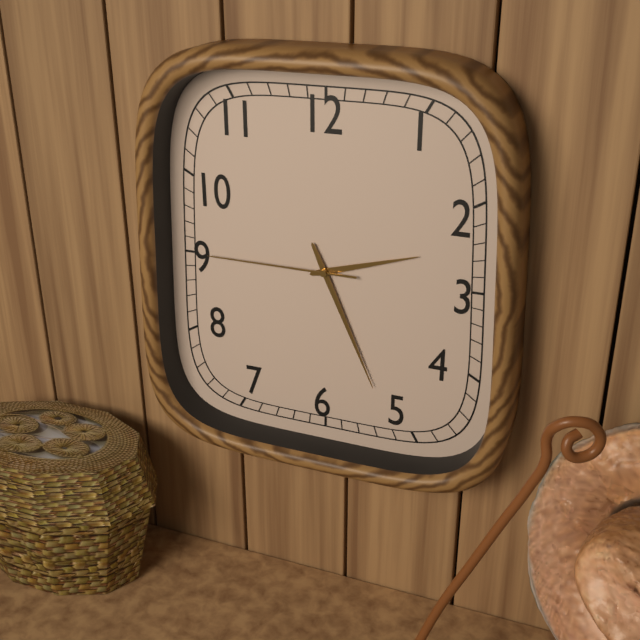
2:26:45
